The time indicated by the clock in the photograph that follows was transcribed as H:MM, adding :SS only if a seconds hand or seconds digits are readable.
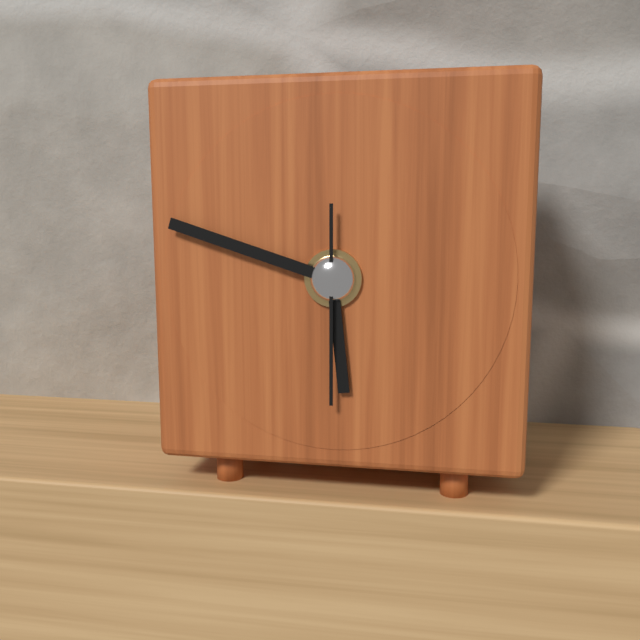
5:48:30
